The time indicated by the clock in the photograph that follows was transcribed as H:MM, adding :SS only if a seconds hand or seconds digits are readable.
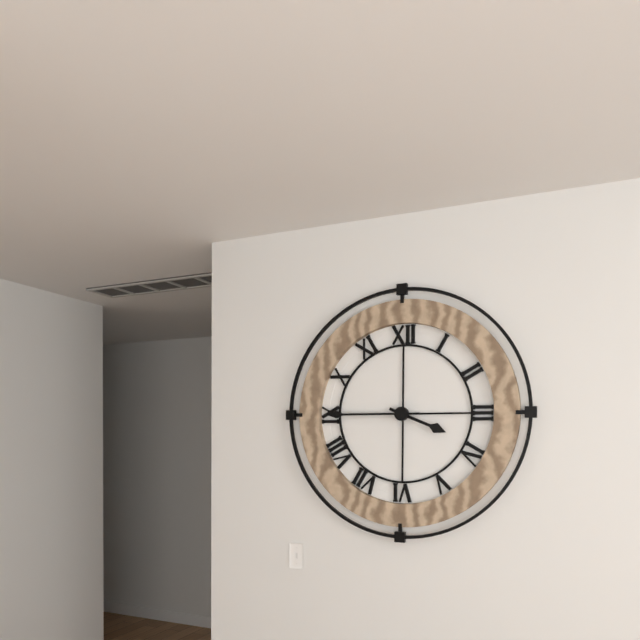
3:45
